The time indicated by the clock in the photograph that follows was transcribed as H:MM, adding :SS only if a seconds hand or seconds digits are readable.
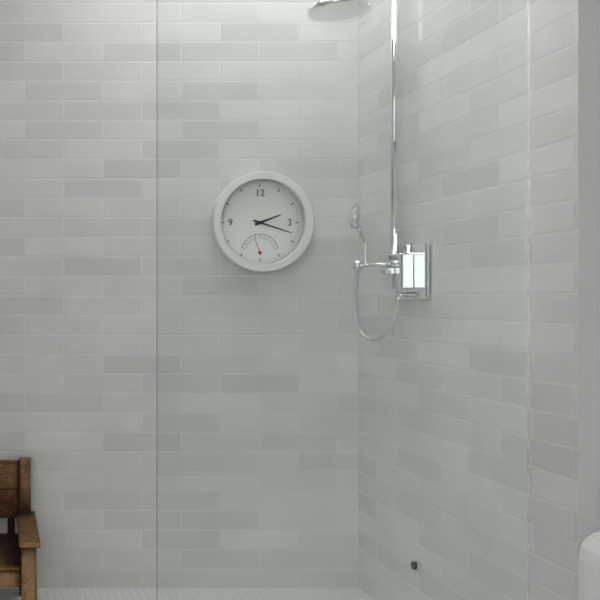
2:18
